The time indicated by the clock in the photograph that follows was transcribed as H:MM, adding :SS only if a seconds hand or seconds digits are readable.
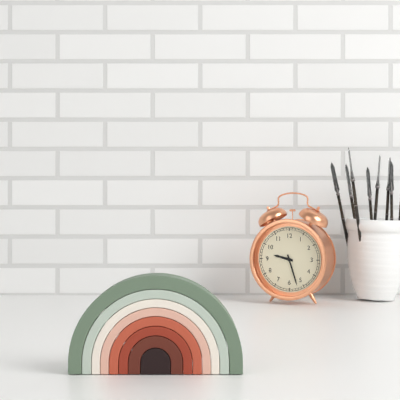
9:27
